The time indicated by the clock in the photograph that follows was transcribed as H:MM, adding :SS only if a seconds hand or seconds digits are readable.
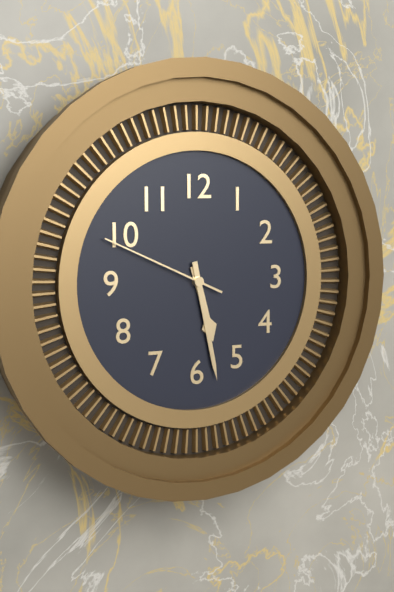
5:28:49
